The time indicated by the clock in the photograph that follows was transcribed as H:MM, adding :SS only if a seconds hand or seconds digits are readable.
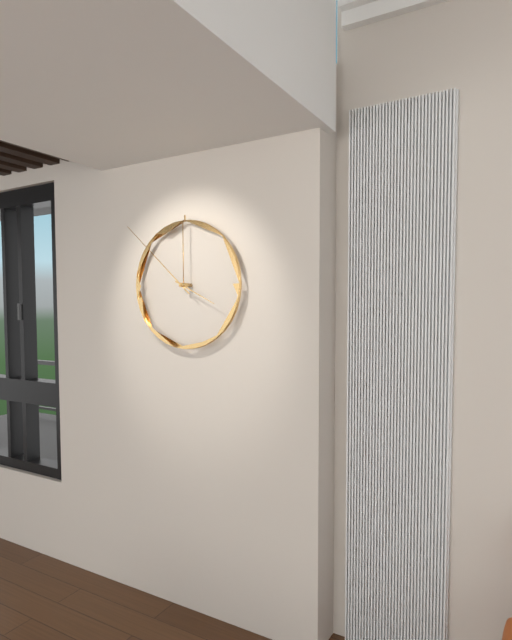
3:52
